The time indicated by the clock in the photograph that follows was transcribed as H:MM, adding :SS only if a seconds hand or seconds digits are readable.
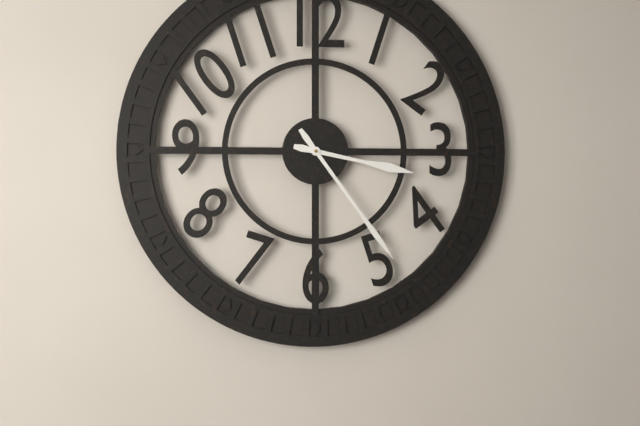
3:24
